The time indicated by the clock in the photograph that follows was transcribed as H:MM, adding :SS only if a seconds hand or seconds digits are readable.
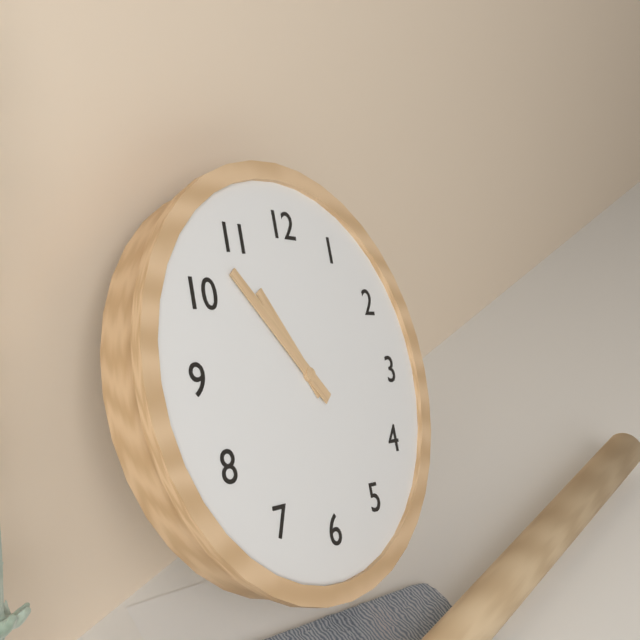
10:53
